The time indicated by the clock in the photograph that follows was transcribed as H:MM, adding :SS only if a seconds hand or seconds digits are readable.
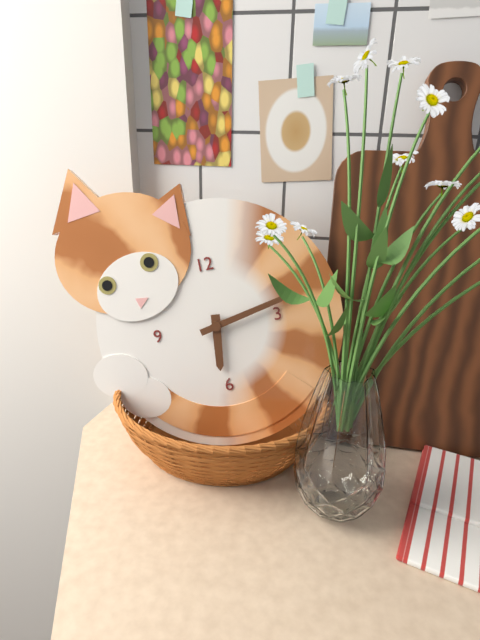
6:13
